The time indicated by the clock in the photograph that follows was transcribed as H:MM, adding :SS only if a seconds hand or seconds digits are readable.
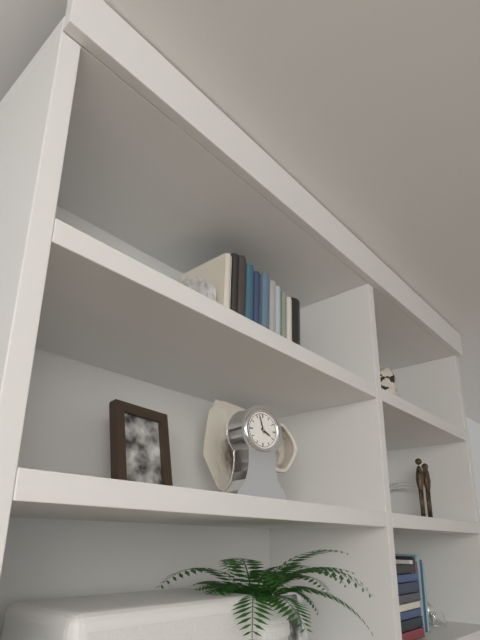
3:57
